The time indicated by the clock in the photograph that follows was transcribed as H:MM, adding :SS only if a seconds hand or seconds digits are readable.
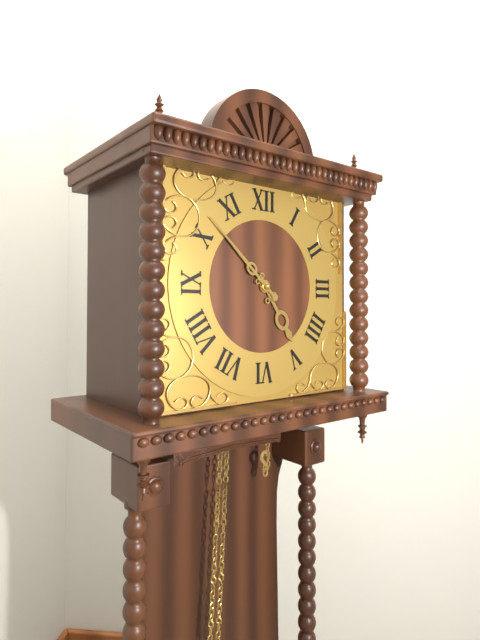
4:52
